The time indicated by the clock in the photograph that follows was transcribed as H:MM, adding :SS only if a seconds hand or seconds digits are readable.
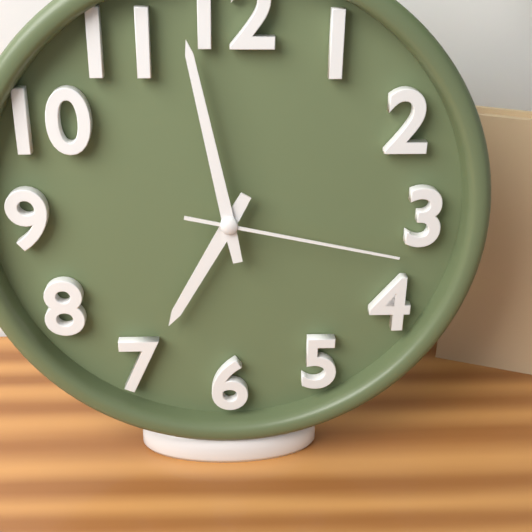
6:58:17
